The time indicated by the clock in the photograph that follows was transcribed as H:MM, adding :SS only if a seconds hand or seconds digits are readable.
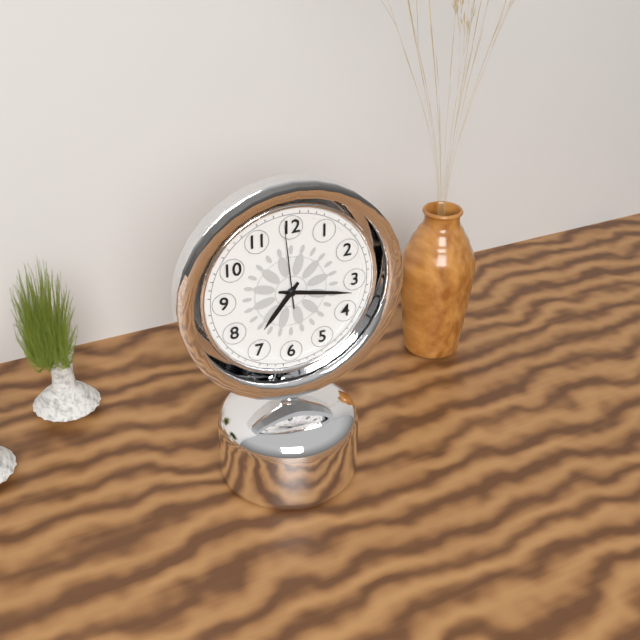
7:17:59
